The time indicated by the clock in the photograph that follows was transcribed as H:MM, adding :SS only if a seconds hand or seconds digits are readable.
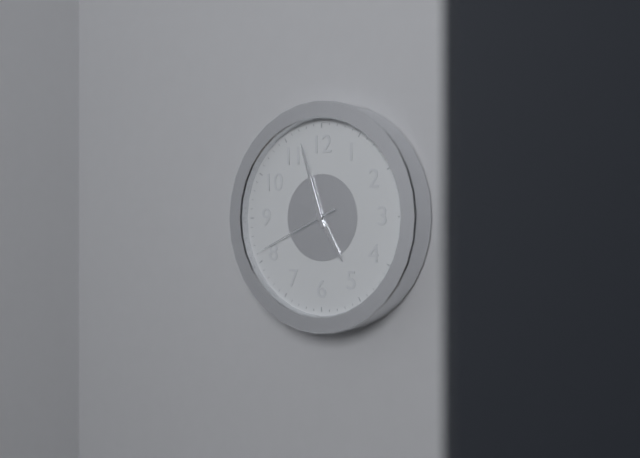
4:57:41
